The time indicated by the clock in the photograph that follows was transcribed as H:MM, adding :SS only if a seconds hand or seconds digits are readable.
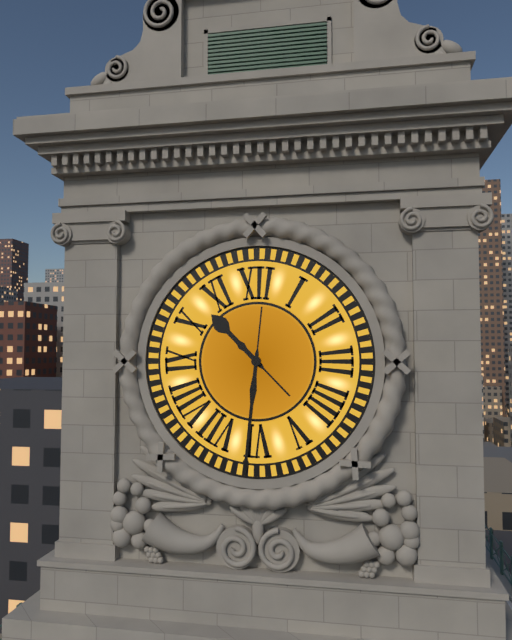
10:31
